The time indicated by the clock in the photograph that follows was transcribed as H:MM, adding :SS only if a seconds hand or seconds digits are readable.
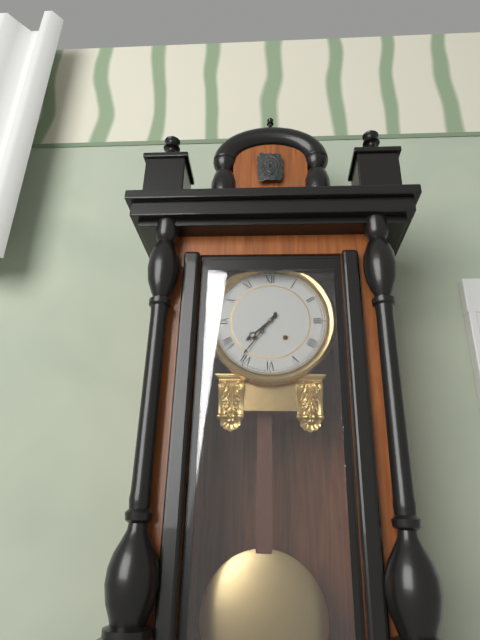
7:36
